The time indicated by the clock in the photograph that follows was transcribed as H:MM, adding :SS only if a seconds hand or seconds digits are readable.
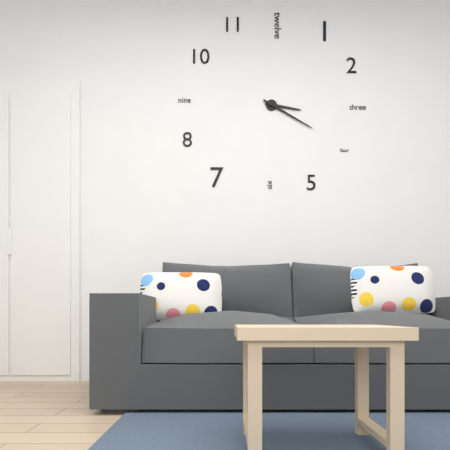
3:20
